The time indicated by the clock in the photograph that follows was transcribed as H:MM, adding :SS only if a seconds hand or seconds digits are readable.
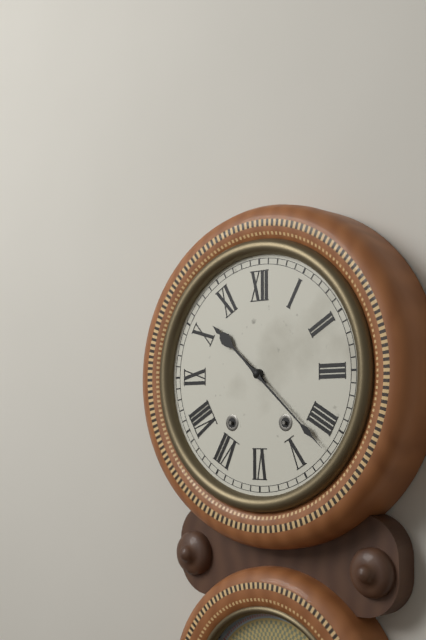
10:22
